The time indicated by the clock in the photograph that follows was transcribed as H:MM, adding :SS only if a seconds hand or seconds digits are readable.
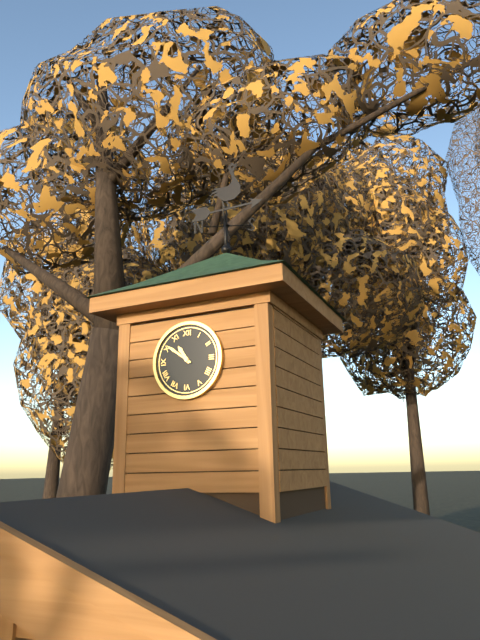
10:51
